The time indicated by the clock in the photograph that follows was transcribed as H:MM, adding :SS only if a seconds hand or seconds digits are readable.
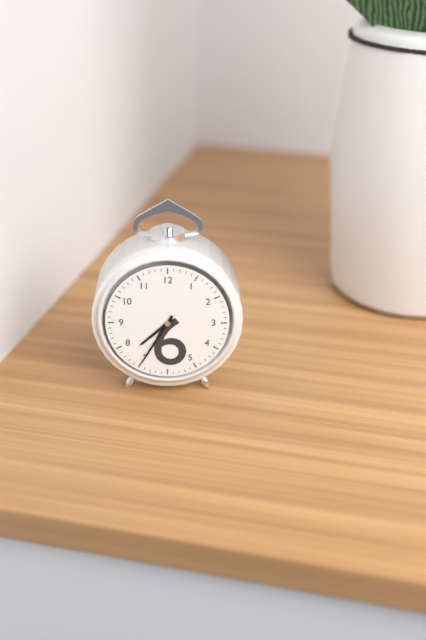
7:35
